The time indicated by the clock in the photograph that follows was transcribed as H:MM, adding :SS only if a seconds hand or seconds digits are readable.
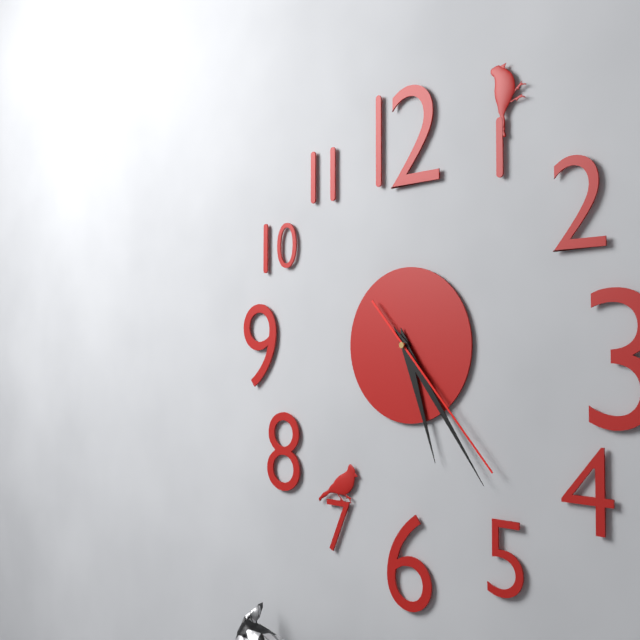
5:24:23
